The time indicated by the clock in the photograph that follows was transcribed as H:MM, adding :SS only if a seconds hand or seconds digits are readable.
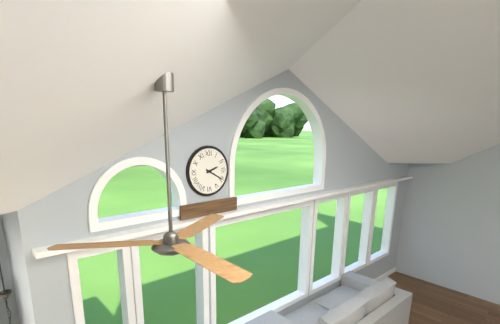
2:20
